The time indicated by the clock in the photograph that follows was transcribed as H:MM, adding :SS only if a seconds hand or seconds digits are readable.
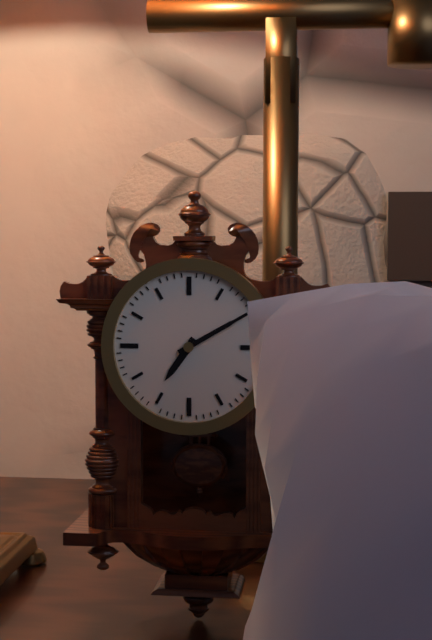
7:10
